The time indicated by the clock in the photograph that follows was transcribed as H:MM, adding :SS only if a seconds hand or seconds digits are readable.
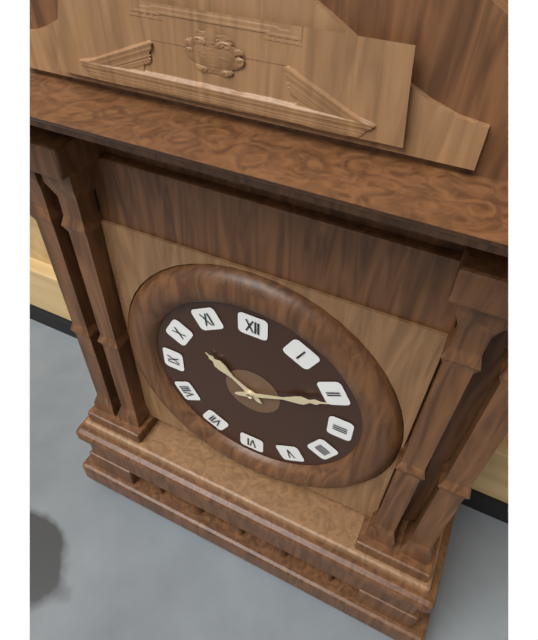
10:11
